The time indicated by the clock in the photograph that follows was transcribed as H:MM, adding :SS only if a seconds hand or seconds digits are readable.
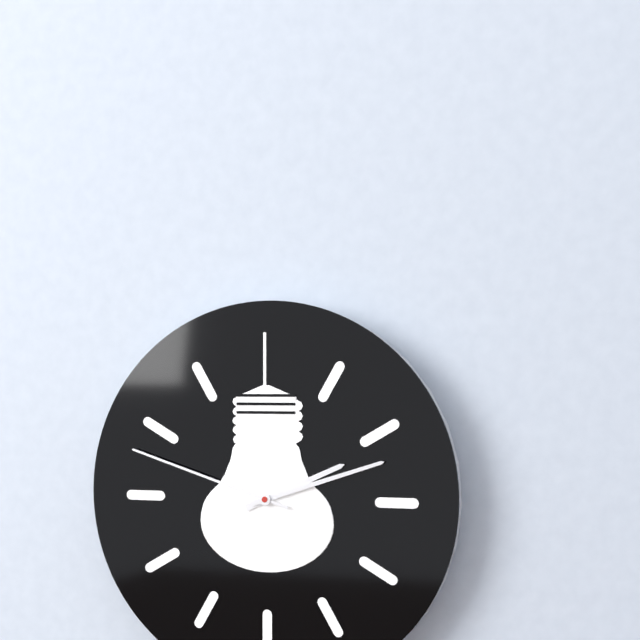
2:12:48
